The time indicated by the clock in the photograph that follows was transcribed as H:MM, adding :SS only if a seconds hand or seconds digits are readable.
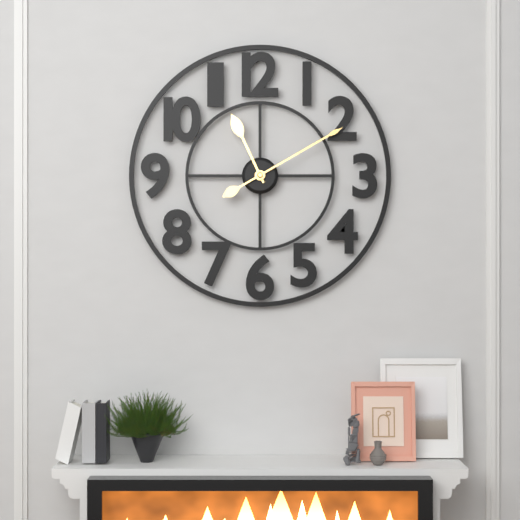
11:10
